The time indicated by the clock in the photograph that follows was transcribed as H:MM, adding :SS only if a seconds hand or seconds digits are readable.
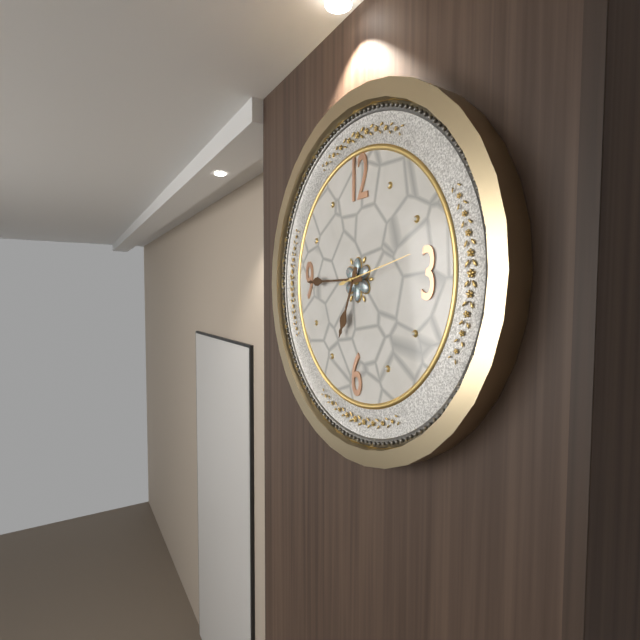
6:45:13
